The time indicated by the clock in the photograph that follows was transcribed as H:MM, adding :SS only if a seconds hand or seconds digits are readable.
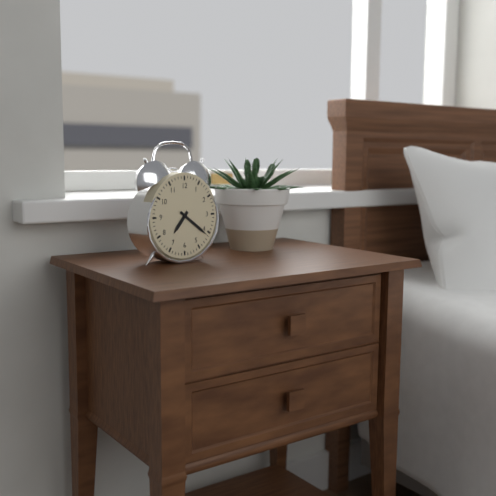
7:21
